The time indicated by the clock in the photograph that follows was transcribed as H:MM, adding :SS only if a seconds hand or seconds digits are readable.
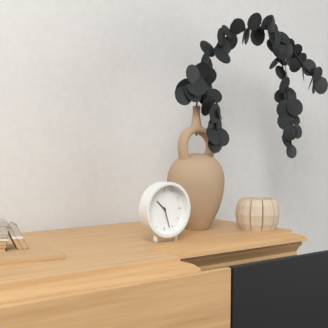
10:27
